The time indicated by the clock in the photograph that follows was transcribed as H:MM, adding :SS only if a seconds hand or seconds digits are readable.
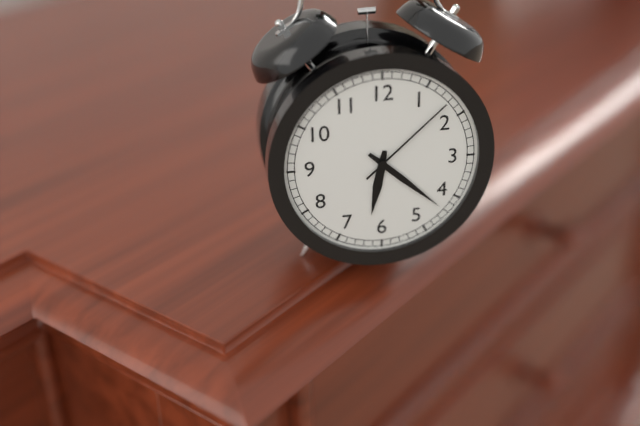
6:22:08
